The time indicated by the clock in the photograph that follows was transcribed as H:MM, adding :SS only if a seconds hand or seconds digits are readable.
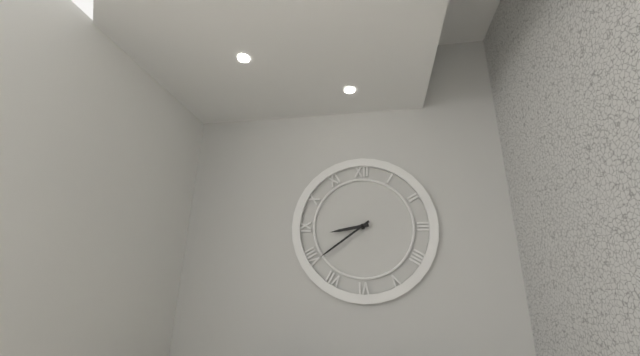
8:39
